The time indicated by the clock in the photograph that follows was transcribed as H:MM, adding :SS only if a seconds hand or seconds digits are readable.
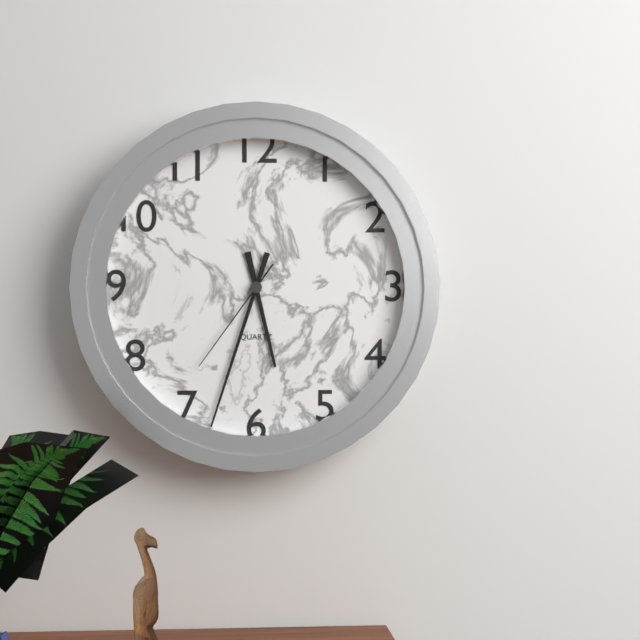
5:33:36
